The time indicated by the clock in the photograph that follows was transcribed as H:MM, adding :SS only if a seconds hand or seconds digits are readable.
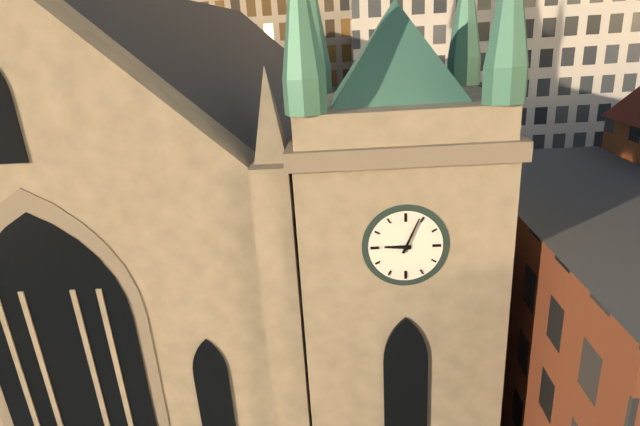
9:04
